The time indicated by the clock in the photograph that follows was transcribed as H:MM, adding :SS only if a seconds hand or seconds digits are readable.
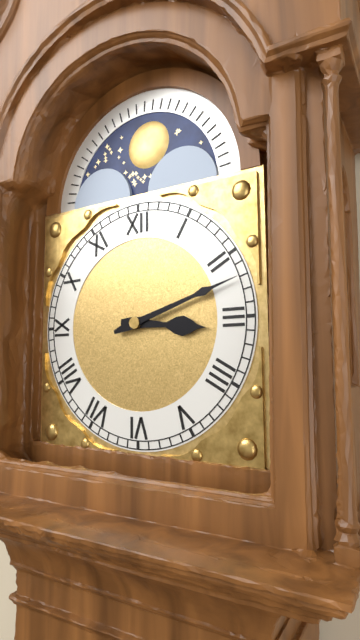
3:12
